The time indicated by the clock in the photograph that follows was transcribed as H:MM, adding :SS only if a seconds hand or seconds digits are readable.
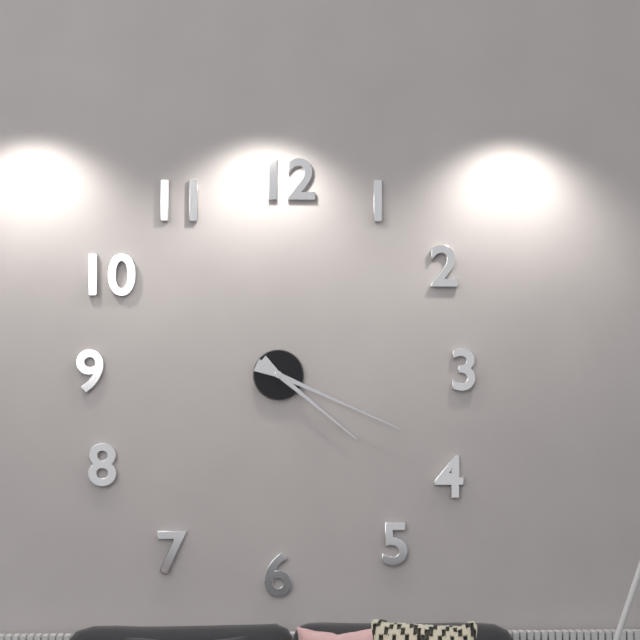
4:19
